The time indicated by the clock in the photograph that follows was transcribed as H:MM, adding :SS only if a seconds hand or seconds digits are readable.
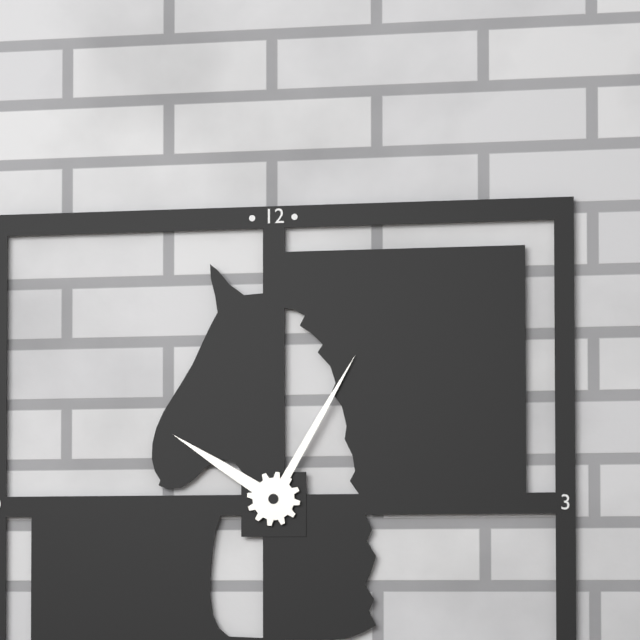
10:05
